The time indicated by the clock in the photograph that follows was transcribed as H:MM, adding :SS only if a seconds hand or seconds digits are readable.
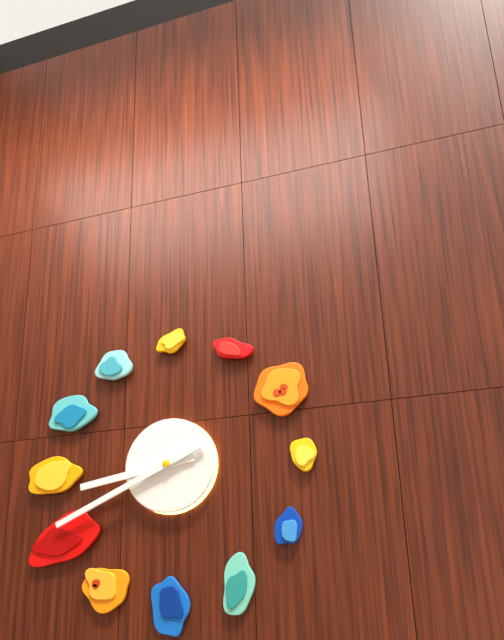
8:41
